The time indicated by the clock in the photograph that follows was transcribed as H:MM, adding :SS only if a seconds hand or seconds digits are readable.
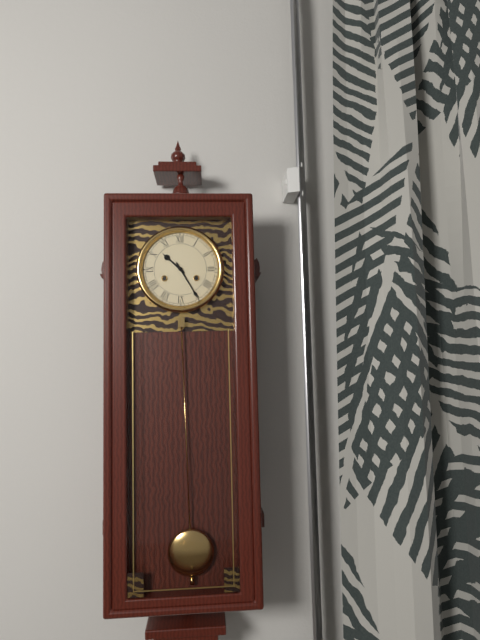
10:25
